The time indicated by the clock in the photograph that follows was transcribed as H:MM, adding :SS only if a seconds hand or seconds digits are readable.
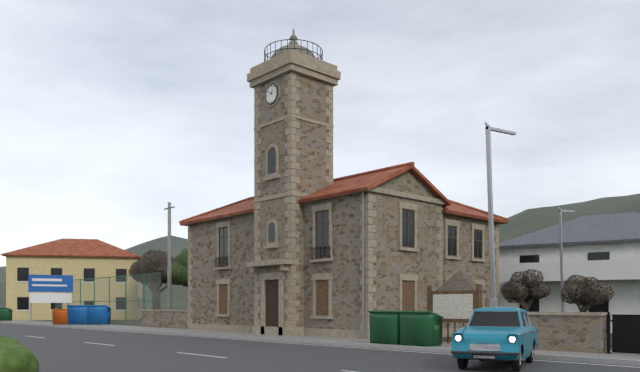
12:51
